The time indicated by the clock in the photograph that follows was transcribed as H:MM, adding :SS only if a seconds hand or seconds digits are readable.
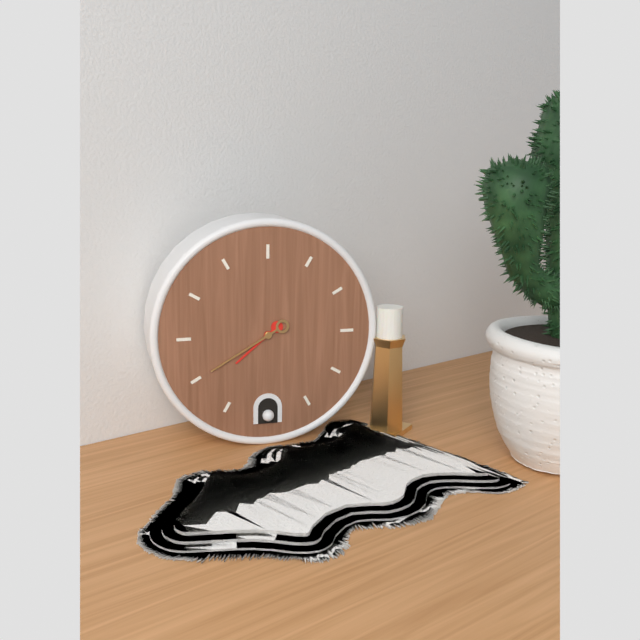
7:40
